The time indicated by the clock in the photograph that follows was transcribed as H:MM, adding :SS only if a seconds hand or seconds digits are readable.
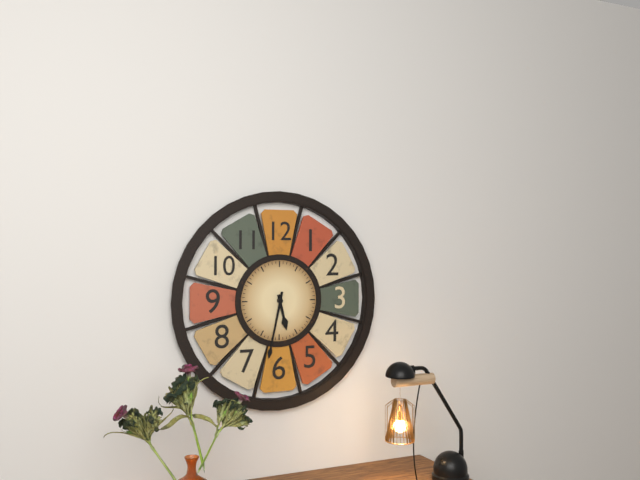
5:32
